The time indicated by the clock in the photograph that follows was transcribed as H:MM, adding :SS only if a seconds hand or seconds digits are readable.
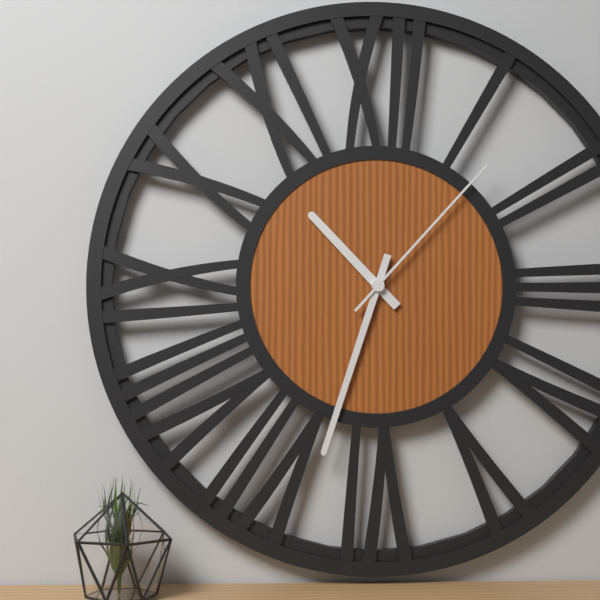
10:33:07
